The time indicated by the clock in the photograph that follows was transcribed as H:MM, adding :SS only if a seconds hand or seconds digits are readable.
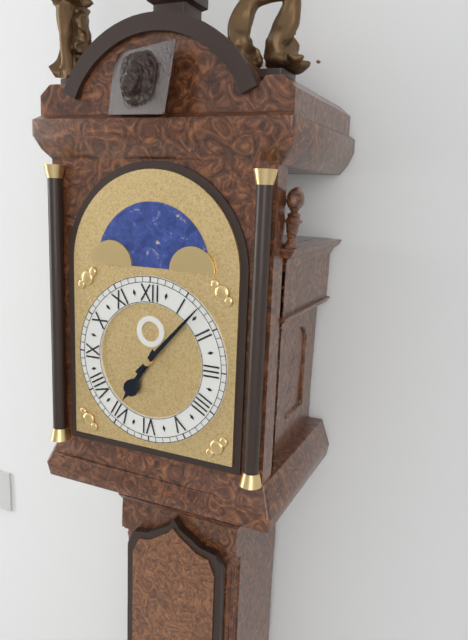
7:07
